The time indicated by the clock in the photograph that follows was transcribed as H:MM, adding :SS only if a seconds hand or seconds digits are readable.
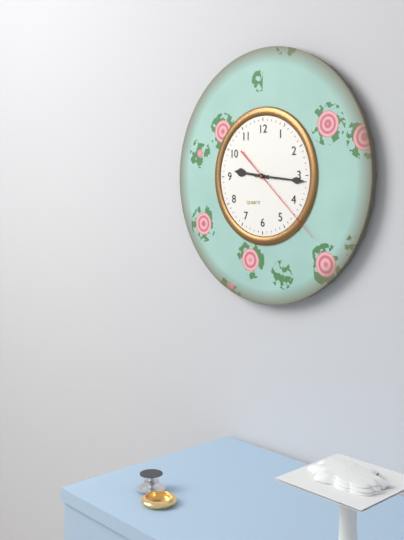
9:16:22
